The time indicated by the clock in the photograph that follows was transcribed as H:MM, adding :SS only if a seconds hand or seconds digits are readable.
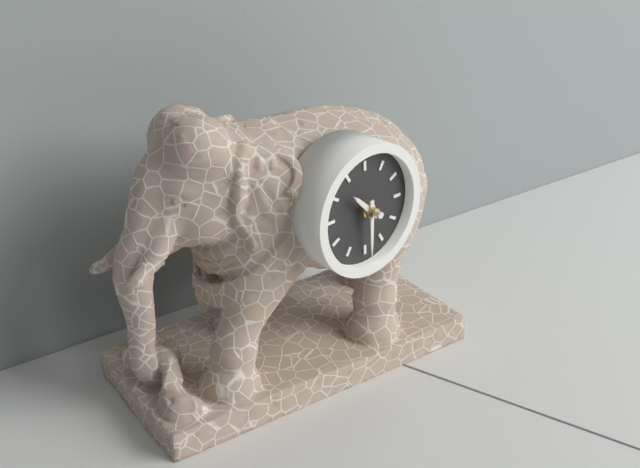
10:30
